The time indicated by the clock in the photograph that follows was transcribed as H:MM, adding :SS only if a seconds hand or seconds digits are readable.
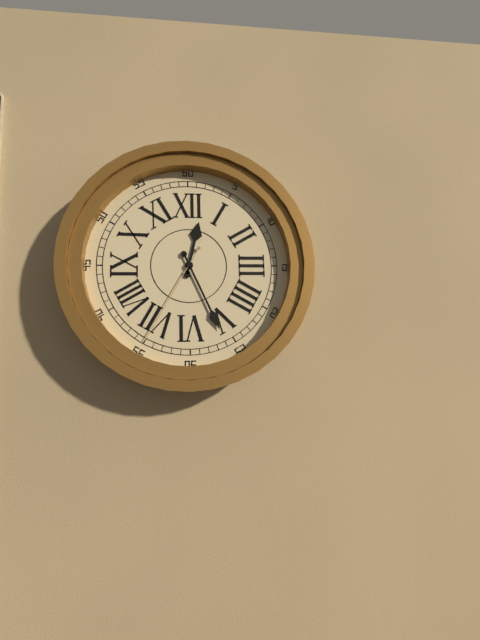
12:26:35
